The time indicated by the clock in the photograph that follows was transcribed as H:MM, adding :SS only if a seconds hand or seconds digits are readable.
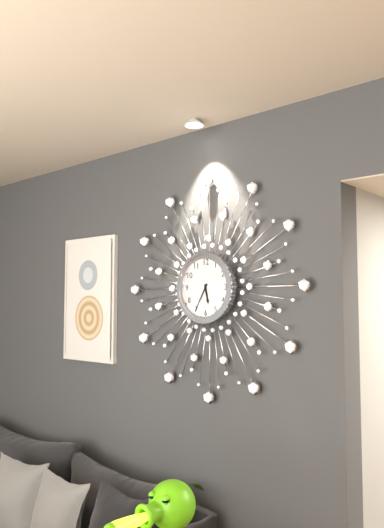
5:35
